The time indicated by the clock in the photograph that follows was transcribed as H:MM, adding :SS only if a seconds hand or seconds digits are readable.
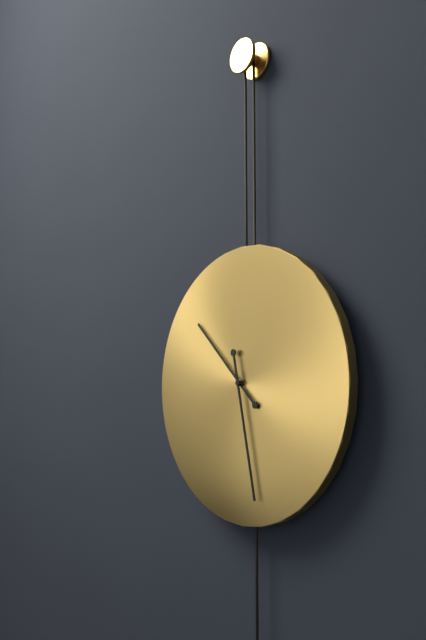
10:28
